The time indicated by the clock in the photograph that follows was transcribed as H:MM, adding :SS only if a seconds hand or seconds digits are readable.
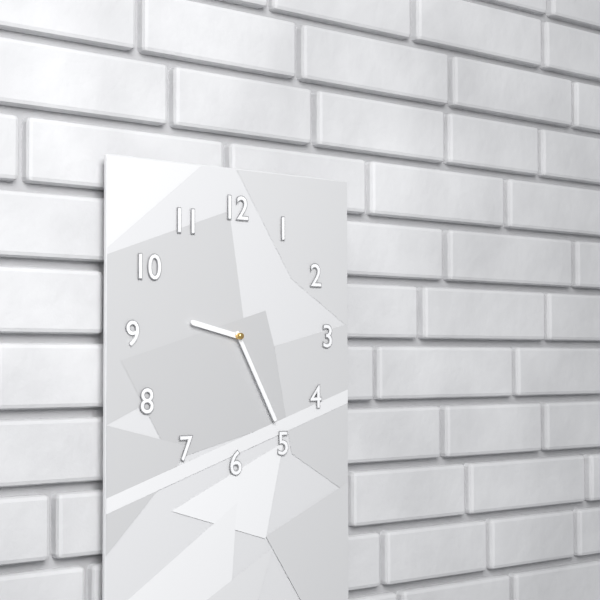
9:25
